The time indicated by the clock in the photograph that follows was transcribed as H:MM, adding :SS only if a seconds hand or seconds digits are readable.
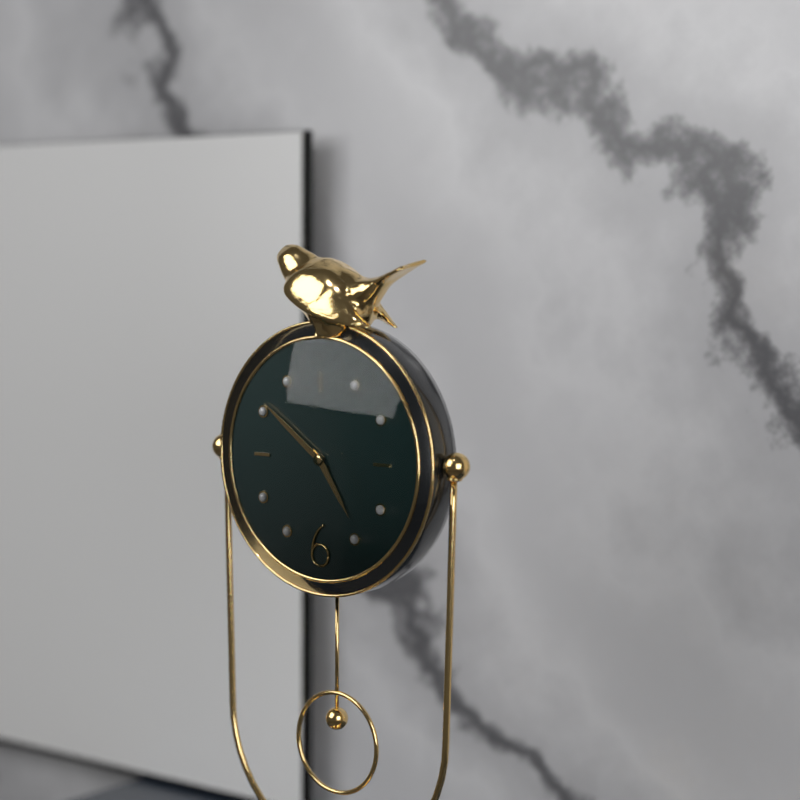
4:51
